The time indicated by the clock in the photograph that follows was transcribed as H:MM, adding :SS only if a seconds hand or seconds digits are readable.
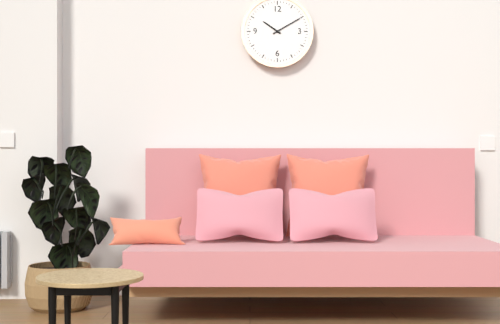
10:10
